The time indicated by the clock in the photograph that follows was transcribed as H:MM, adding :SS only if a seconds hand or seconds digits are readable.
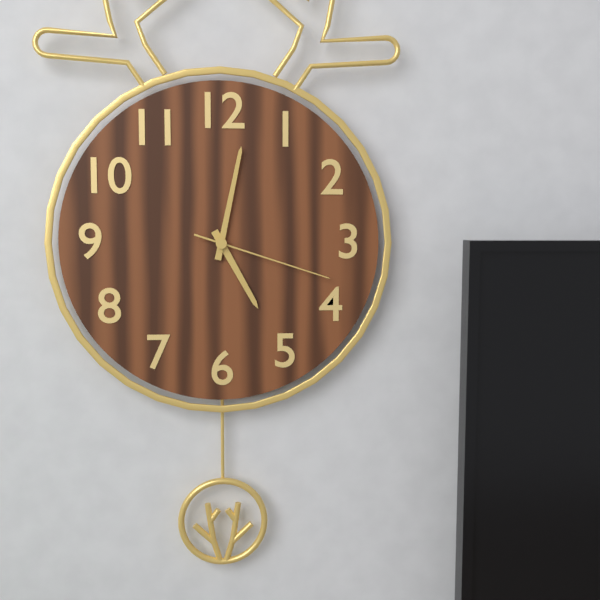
5:02:18
